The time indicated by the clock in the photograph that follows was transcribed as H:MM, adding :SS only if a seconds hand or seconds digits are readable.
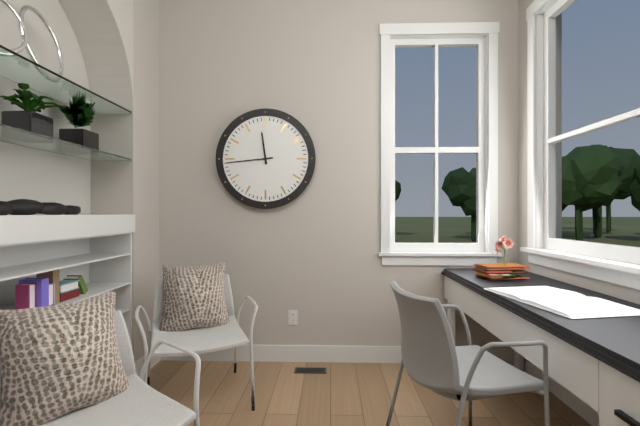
11:44
